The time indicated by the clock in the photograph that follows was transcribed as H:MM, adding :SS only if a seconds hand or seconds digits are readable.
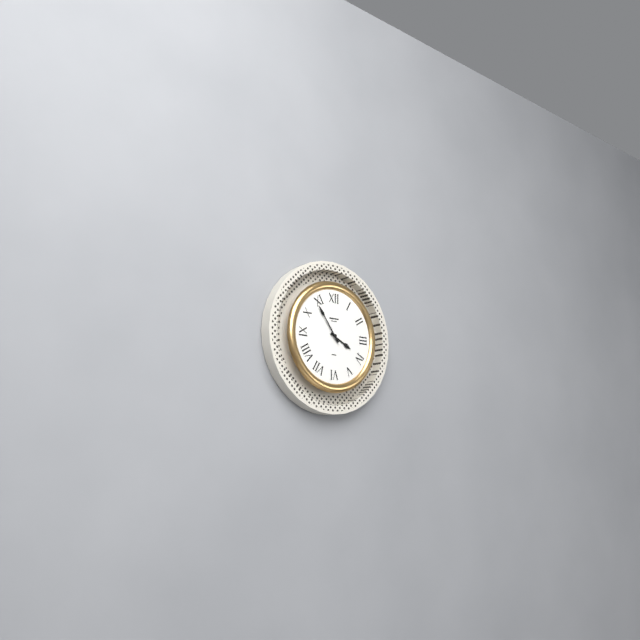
3:54
